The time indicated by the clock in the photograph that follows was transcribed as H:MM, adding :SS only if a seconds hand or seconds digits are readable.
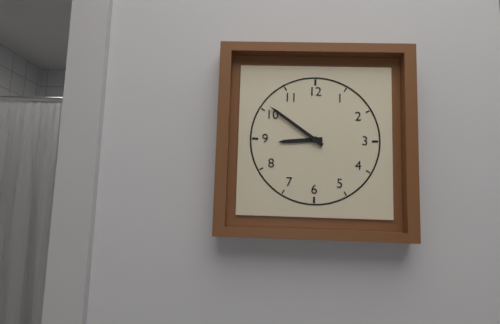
8:51
